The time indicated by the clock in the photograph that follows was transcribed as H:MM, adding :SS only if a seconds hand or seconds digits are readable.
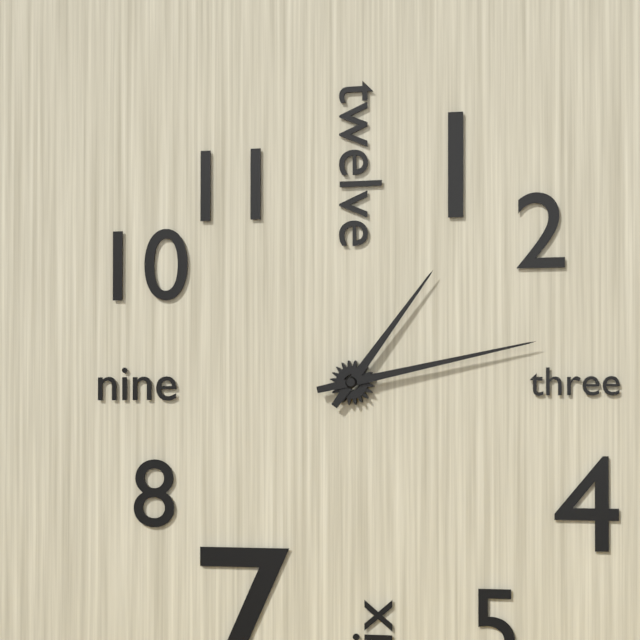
1:13
